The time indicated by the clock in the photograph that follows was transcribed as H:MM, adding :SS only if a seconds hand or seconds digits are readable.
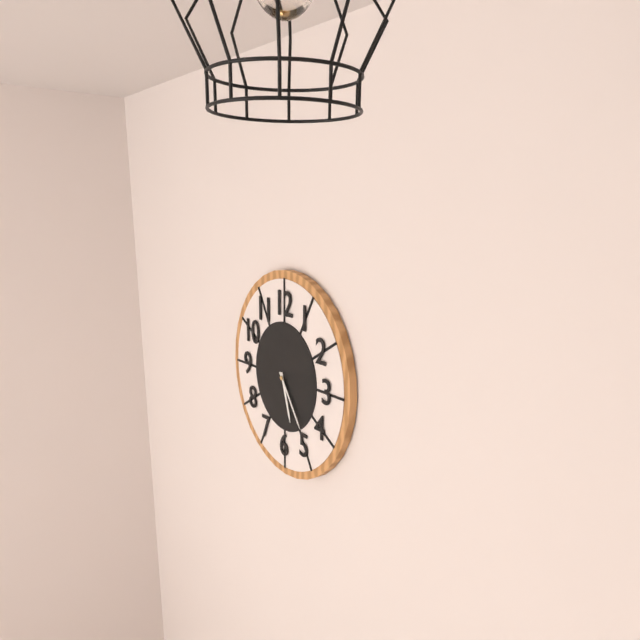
5:24
